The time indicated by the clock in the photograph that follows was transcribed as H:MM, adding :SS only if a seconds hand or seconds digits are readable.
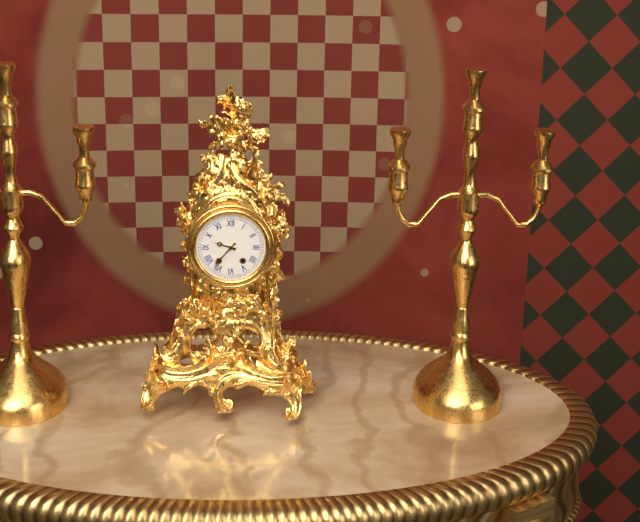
9:37
